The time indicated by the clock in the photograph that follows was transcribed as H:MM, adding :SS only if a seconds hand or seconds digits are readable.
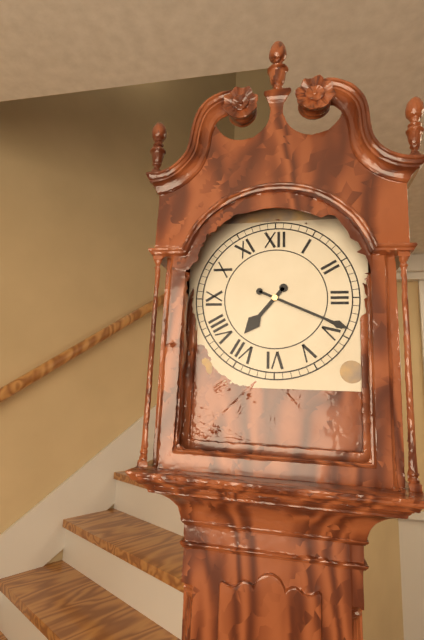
7:19
